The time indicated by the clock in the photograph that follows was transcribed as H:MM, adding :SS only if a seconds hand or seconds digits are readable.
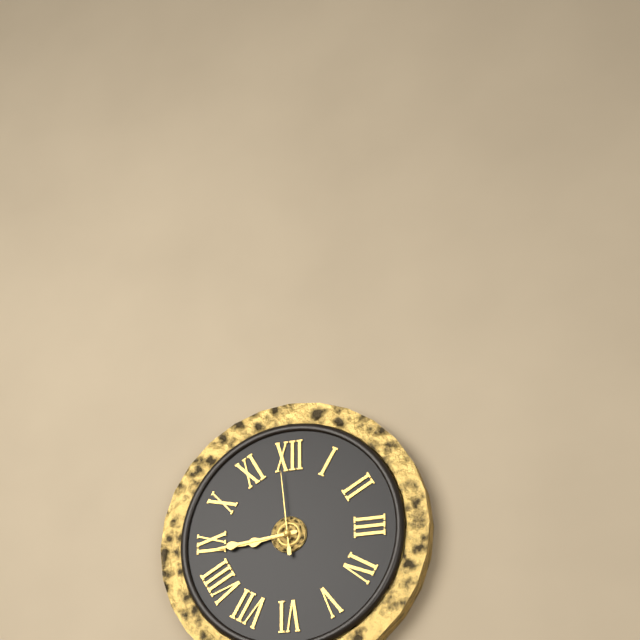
8:44:59
